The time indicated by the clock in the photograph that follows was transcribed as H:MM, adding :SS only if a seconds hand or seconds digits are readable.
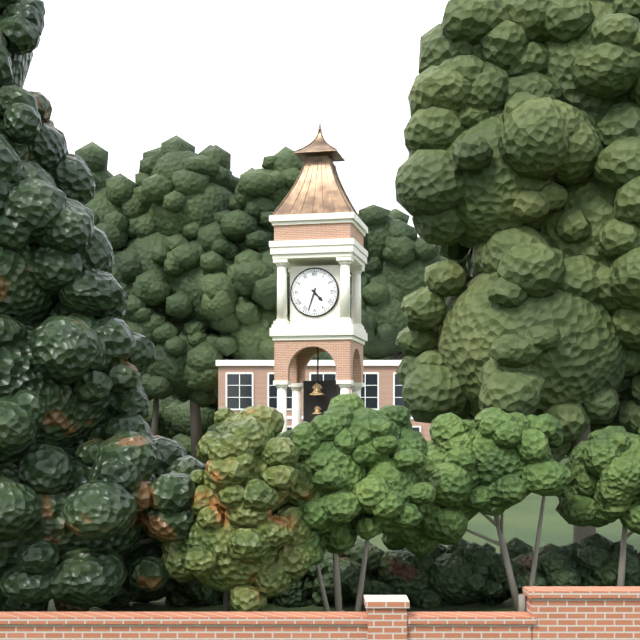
4:33
